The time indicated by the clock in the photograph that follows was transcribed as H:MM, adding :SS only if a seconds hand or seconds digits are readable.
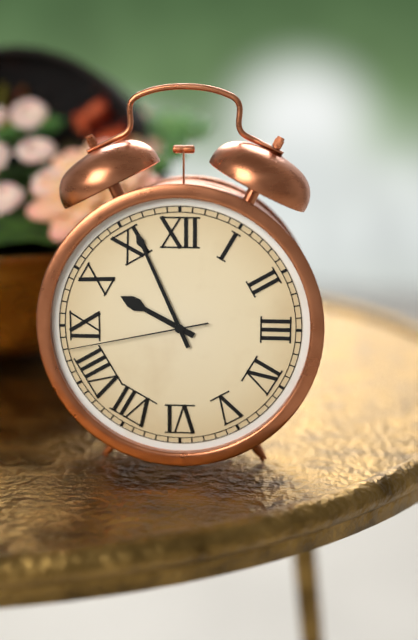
9:56:43
